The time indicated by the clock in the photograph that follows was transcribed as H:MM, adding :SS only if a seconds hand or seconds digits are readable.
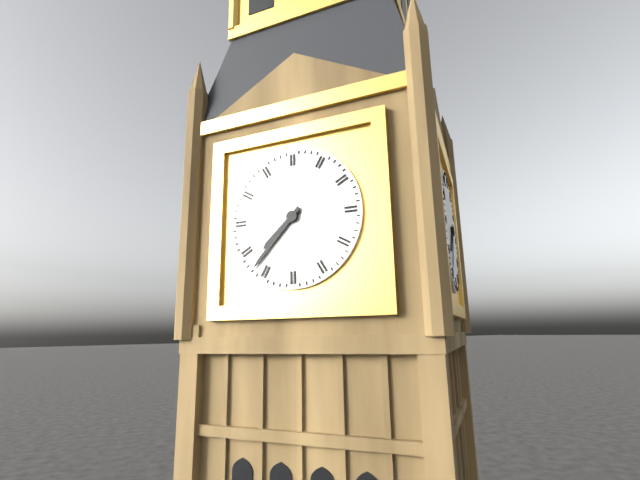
7:37
